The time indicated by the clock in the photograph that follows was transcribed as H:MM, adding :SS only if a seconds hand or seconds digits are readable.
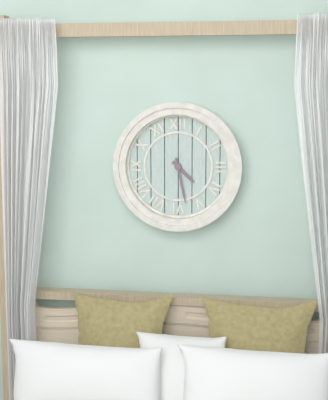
4:28
